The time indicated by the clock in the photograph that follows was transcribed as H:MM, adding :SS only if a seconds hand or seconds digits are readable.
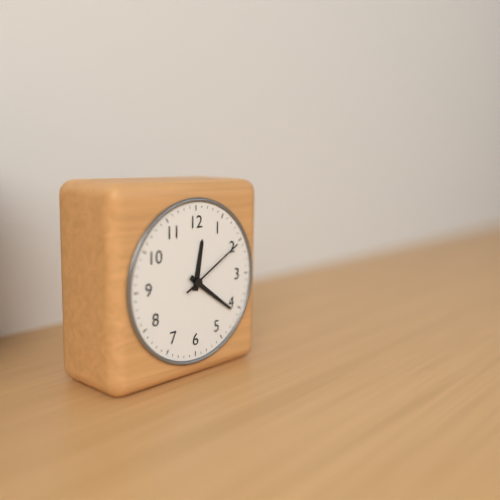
12:21:10
